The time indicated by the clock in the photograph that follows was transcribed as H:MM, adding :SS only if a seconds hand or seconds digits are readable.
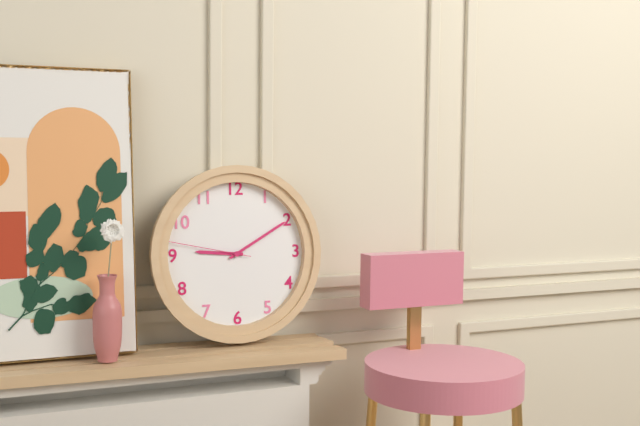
9:10:47
